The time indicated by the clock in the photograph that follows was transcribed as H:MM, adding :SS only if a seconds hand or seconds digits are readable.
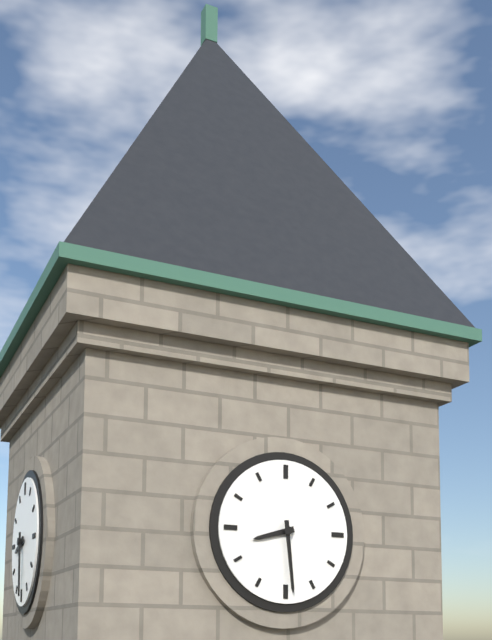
8:29
